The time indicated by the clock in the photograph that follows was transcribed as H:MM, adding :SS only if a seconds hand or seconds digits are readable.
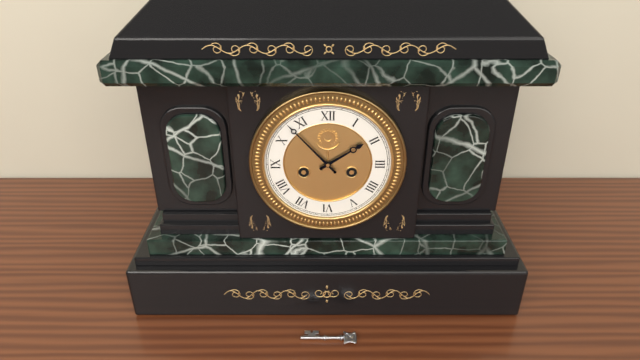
1:53
